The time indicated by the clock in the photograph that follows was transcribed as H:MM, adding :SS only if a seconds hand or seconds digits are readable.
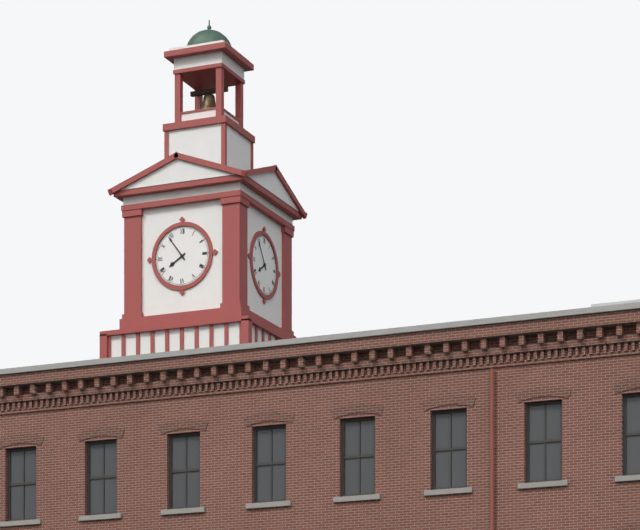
7:54
